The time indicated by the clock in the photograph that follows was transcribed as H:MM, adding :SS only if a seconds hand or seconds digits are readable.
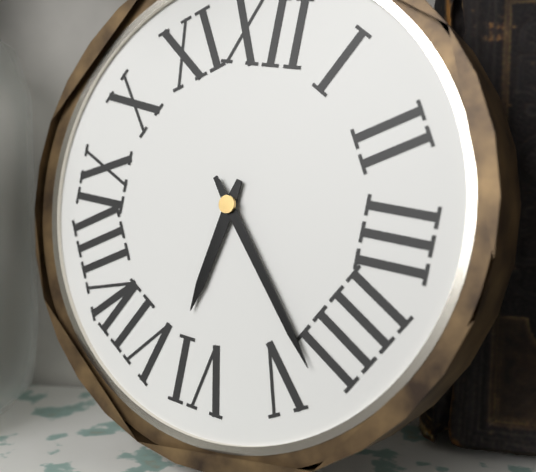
6:23
